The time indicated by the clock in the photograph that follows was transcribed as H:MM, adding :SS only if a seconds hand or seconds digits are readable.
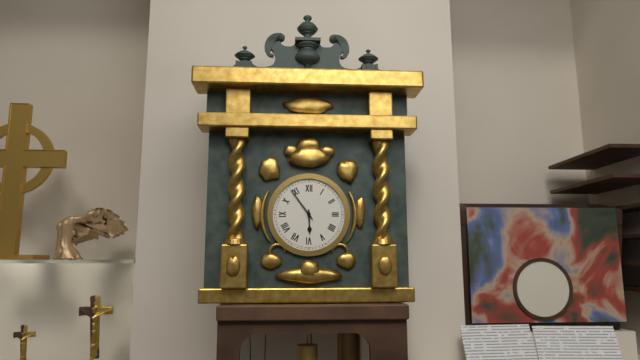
5:54
